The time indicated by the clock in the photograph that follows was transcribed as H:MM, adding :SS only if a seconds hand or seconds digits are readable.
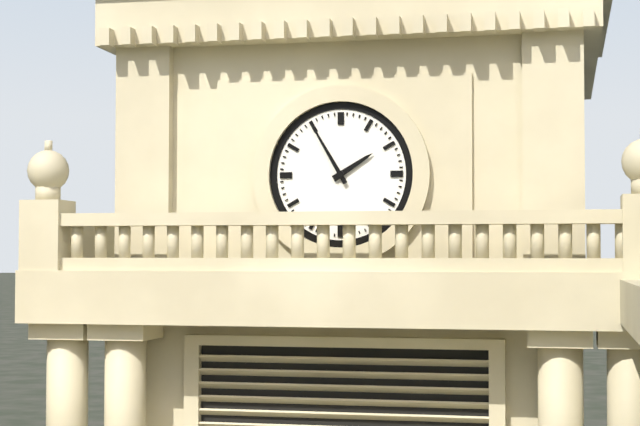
1:55
